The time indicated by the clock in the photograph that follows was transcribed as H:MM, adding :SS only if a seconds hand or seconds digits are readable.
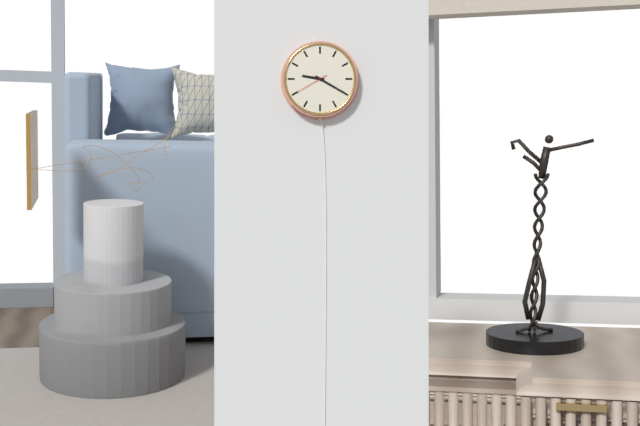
9:20
